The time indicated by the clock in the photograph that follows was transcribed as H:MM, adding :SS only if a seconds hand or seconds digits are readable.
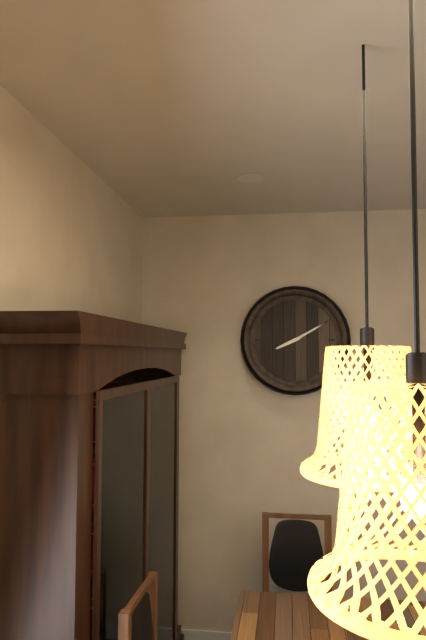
8:10
